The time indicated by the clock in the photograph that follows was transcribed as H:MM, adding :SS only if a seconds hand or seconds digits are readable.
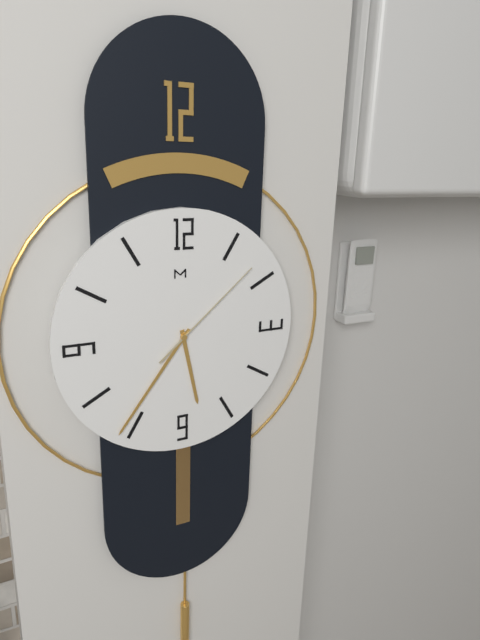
5:36:08
